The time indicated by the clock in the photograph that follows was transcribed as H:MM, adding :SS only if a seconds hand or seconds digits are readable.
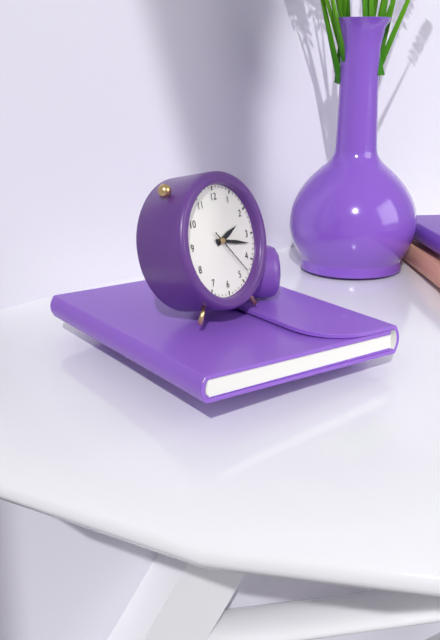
2:17:23
